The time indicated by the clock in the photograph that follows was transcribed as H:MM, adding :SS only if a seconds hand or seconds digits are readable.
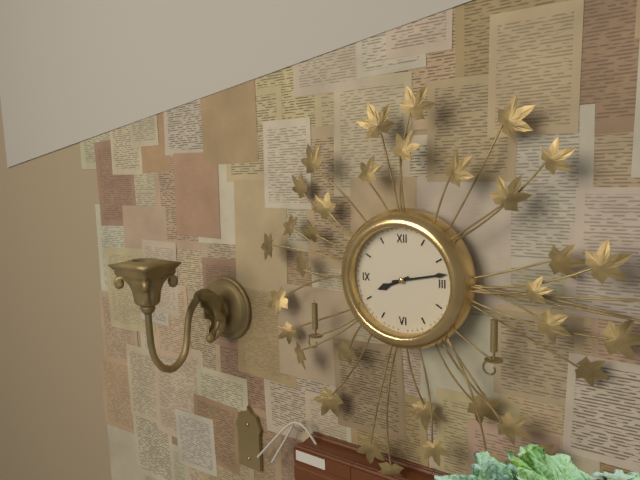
8:13
